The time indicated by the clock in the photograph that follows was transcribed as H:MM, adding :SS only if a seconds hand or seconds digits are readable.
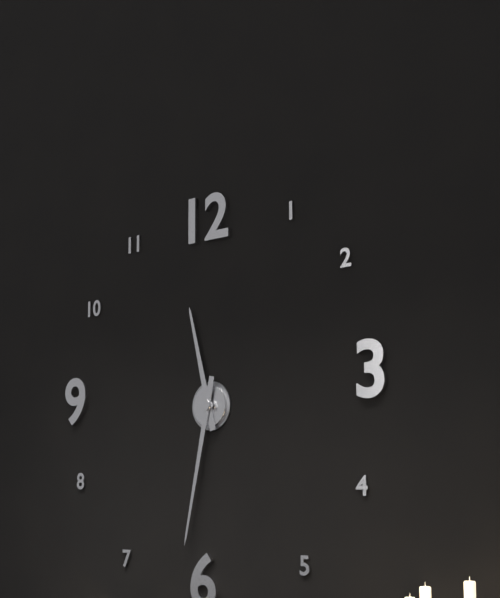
11:32
